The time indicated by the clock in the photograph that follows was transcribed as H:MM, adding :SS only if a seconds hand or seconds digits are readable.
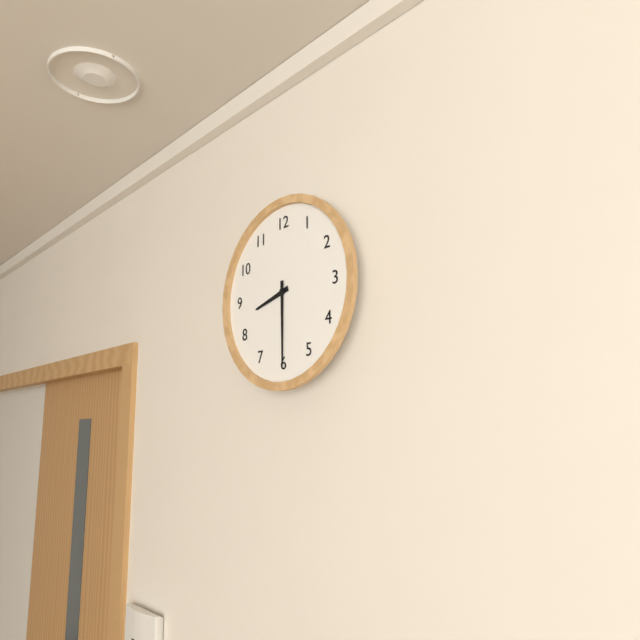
8:30
